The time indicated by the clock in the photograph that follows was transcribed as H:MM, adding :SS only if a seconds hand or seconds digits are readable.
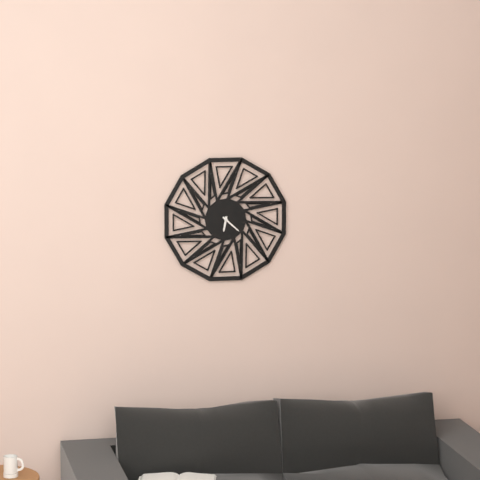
6:22
